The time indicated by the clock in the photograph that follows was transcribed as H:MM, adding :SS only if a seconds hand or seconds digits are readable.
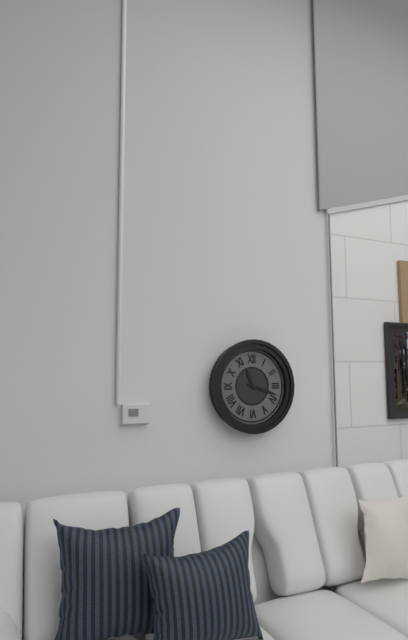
11:18
